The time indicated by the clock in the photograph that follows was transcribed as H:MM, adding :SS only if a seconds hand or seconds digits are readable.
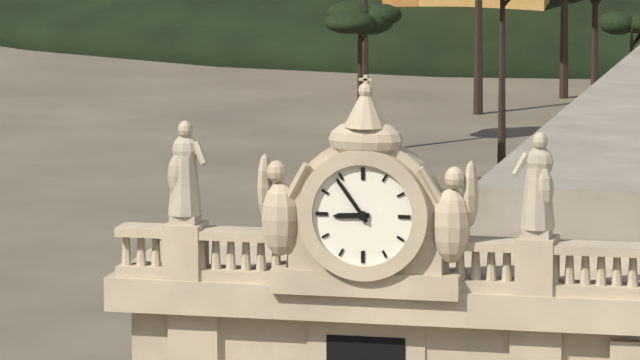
8:54
